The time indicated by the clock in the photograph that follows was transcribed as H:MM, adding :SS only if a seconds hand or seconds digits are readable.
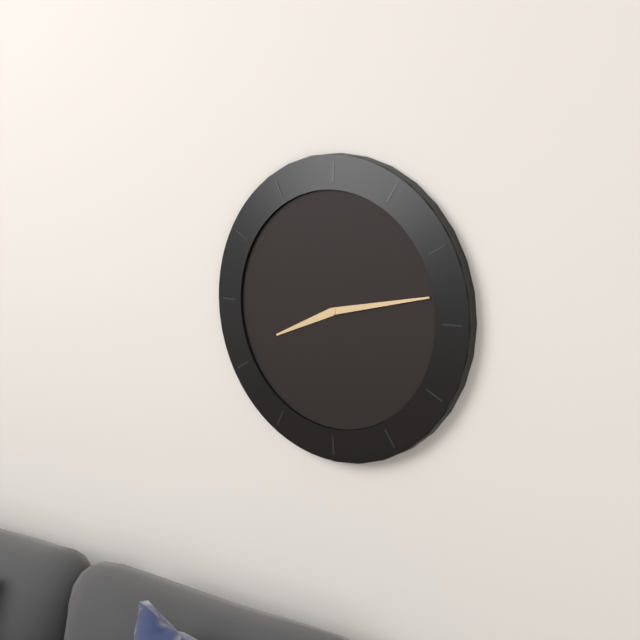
8:13
